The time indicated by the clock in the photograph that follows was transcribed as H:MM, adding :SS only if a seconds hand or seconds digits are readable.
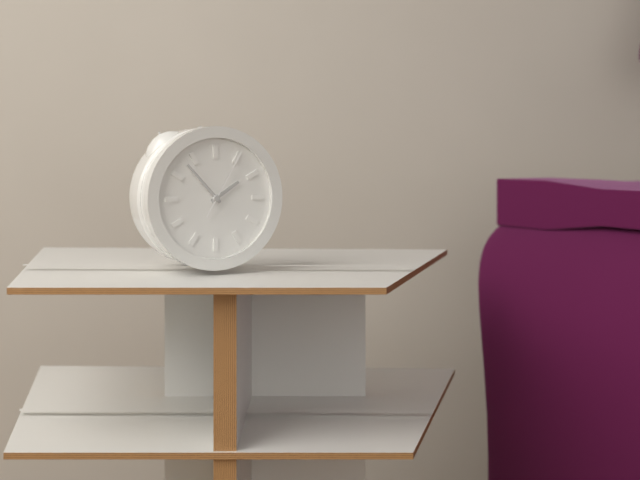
1:53:05
